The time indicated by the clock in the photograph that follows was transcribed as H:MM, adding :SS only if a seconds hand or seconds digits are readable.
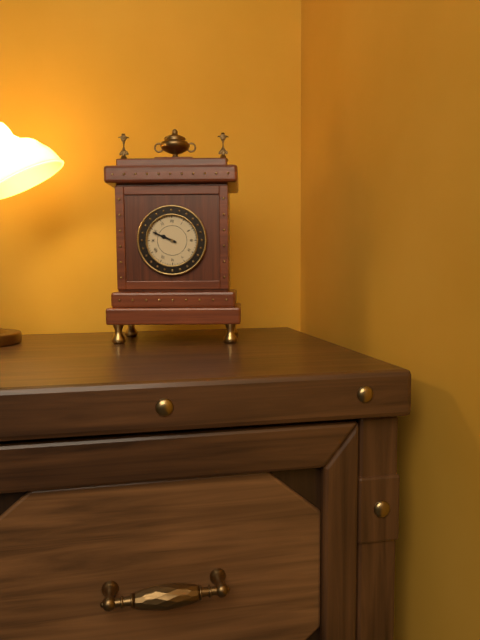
9:49
